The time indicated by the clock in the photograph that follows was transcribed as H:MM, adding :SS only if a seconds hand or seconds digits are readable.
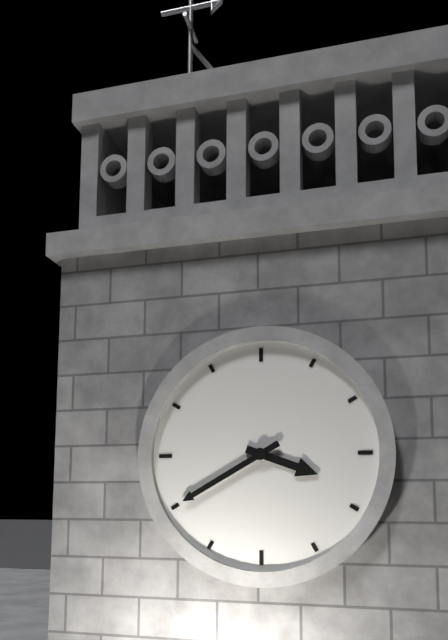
3:40
